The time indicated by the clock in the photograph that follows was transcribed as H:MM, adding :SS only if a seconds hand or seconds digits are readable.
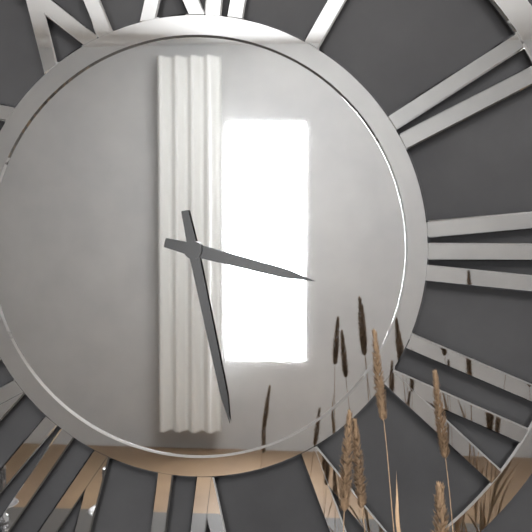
3:28
